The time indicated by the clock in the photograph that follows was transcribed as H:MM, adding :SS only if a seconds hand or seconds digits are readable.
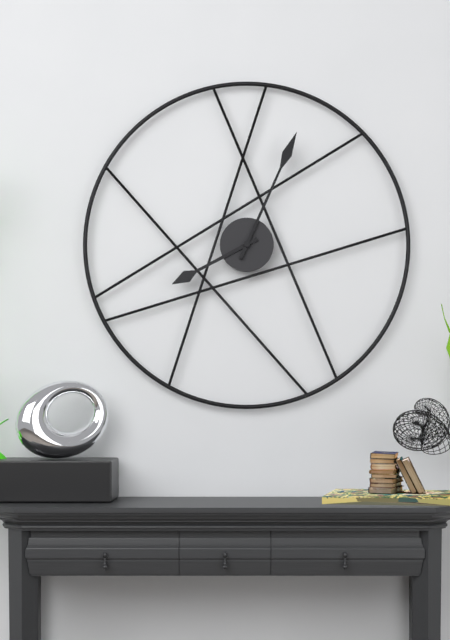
8:04
